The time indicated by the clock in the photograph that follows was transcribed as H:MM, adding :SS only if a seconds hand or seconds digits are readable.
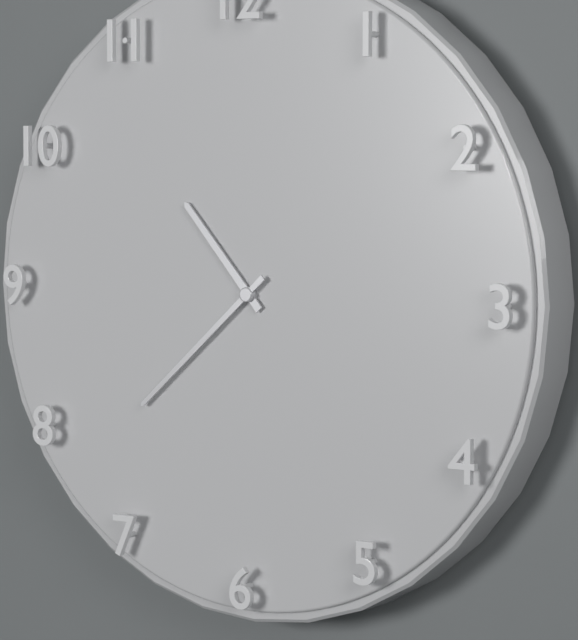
10:38
